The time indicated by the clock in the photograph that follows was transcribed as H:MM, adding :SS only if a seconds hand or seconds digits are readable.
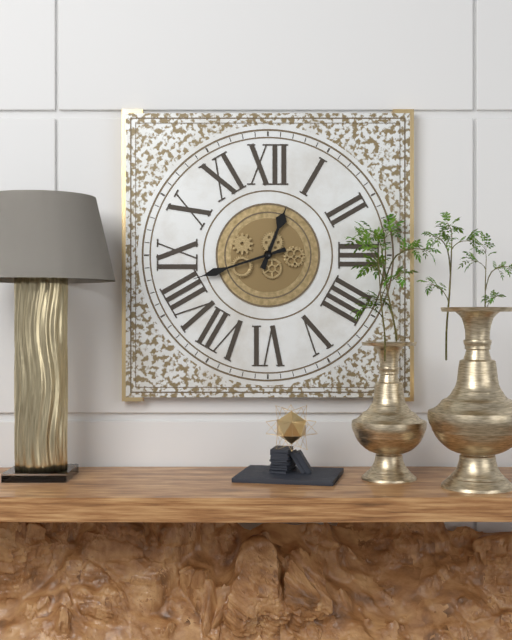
12:42
